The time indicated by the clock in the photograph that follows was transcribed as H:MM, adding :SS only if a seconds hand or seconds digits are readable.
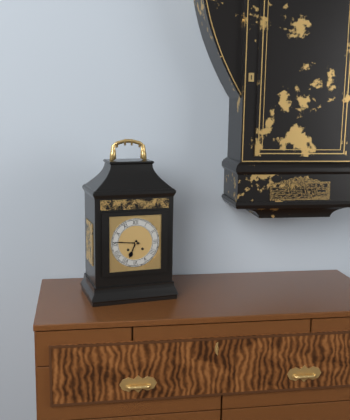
6:46
